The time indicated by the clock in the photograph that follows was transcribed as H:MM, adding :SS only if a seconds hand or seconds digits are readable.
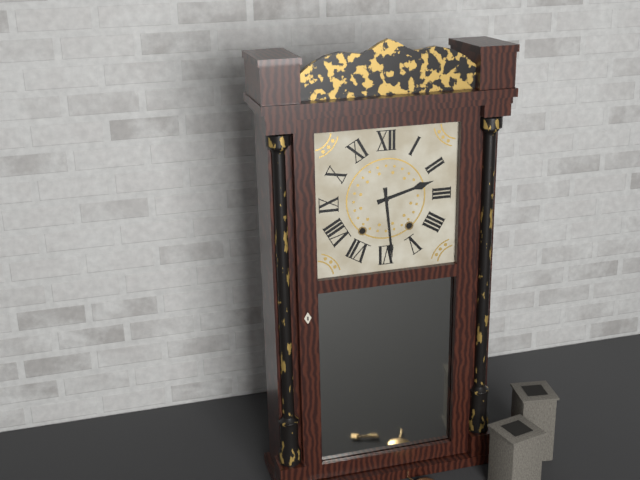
2:29
